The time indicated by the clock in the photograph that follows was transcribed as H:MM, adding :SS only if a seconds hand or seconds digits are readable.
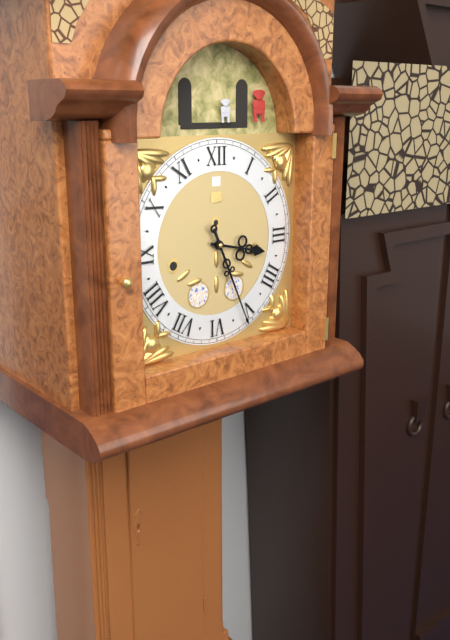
3:26
